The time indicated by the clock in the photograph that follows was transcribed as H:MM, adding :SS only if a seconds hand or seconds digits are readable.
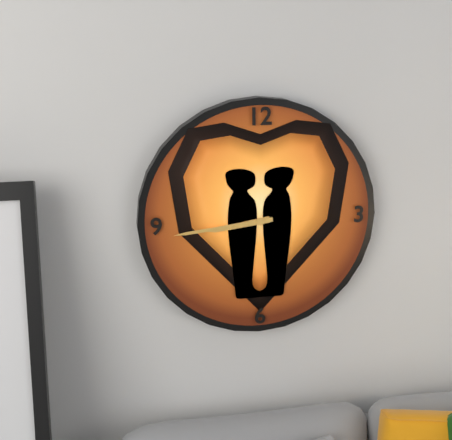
8:44
